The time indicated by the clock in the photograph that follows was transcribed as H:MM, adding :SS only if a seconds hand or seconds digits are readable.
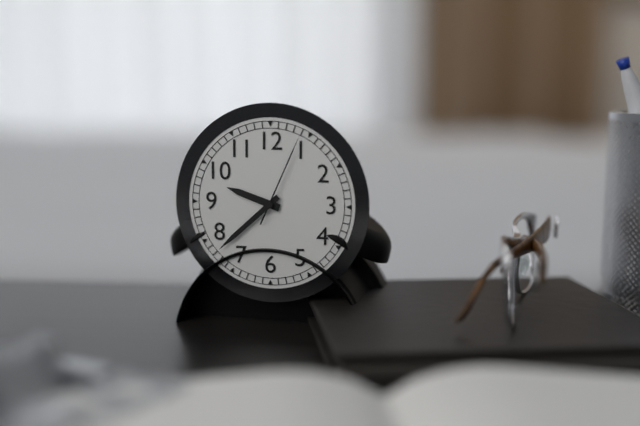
9:38:04
